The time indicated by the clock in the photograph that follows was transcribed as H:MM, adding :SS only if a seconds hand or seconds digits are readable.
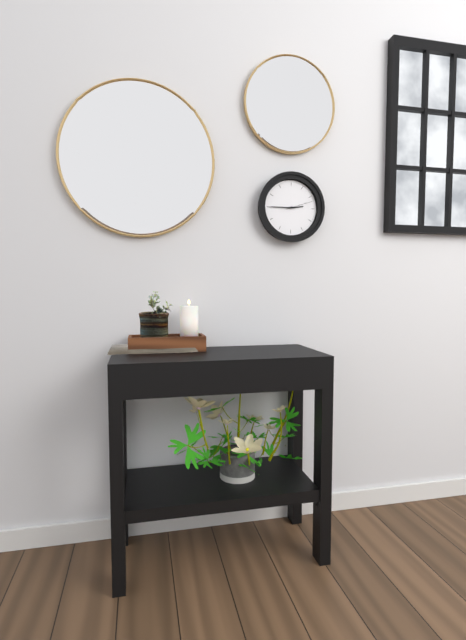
2:45
